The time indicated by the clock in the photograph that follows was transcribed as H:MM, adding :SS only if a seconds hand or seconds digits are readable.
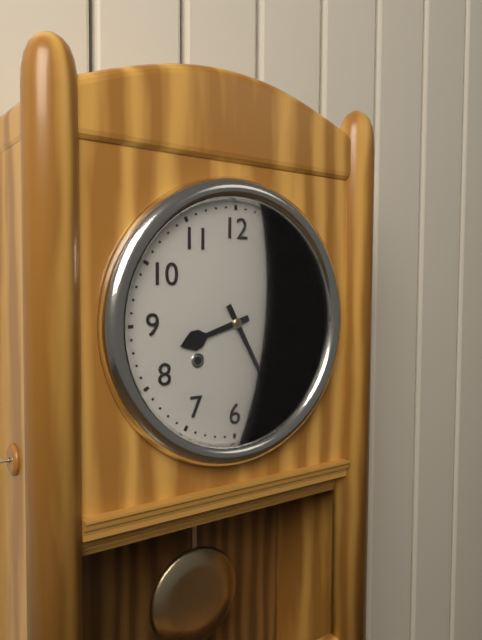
8:25
